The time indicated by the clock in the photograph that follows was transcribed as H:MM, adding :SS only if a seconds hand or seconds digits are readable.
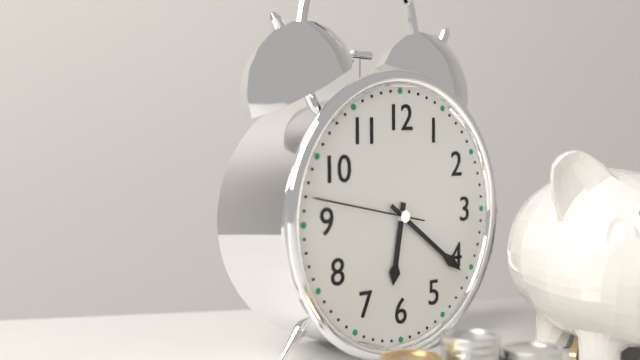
6:21:47
